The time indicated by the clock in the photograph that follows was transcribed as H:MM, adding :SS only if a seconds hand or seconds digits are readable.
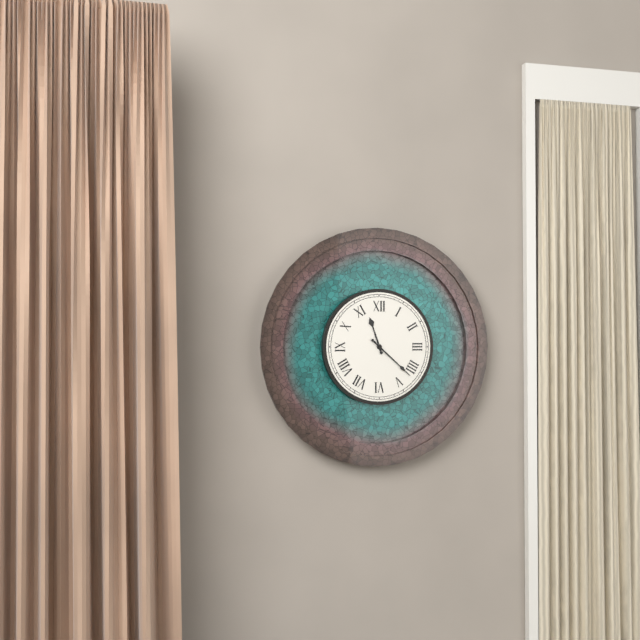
11:22
